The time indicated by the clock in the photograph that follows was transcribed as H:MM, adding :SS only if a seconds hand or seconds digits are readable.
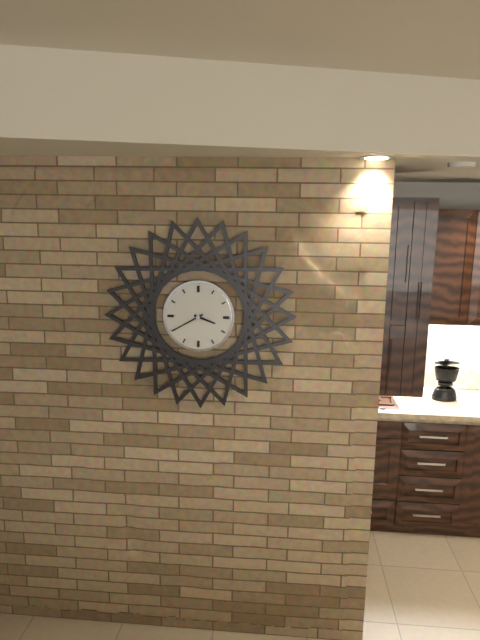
3:40
